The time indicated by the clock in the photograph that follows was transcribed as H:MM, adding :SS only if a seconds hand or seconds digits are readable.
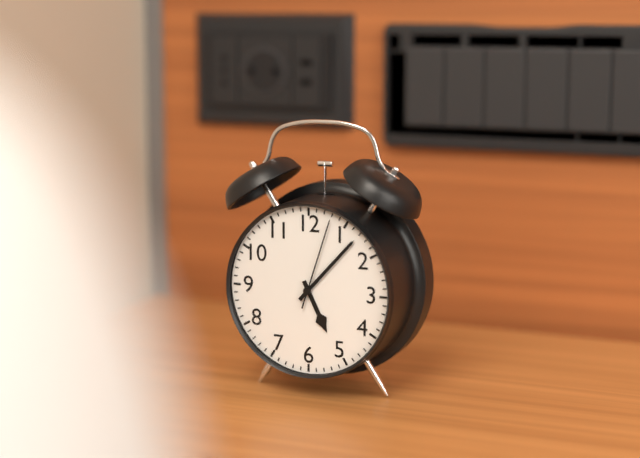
5:07:03
